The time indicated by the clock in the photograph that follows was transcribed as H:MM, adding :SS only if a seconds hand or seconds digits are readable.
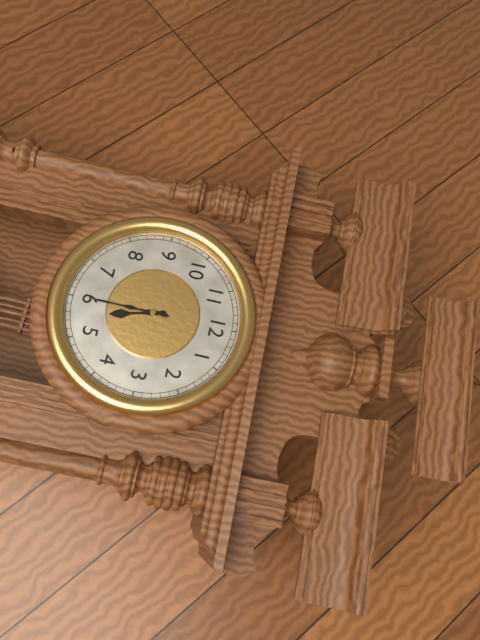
5:30
